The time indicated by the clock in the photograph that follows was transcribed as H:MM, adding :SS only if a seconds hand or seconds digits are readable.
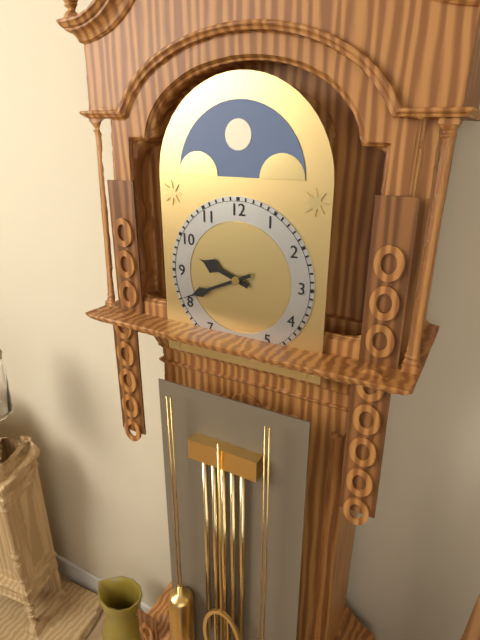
9:41
